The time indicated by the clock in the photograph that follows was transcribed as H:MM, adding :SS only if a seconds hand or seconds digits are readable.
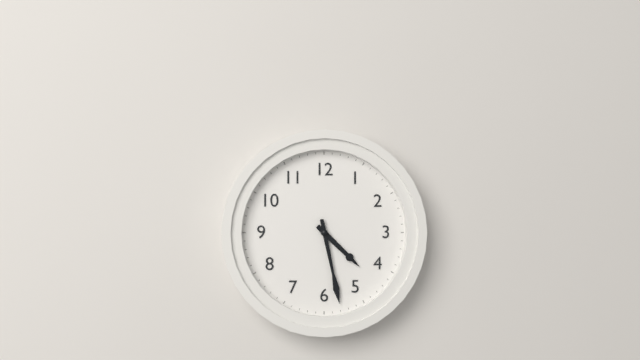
4:28
